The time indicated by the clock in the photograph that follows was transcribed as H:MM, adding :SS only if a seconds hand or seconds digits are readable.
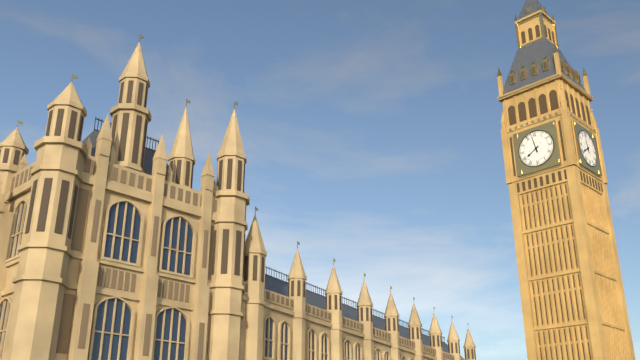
7:58
